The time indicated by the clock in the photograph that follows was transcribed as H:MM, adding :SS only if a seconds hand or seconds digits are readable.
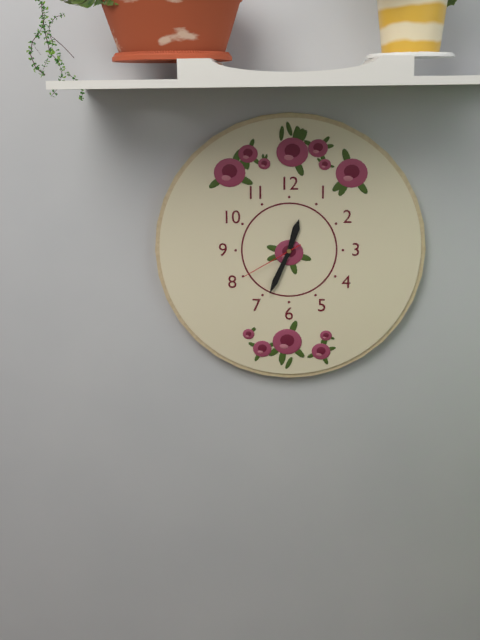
12:34:40
